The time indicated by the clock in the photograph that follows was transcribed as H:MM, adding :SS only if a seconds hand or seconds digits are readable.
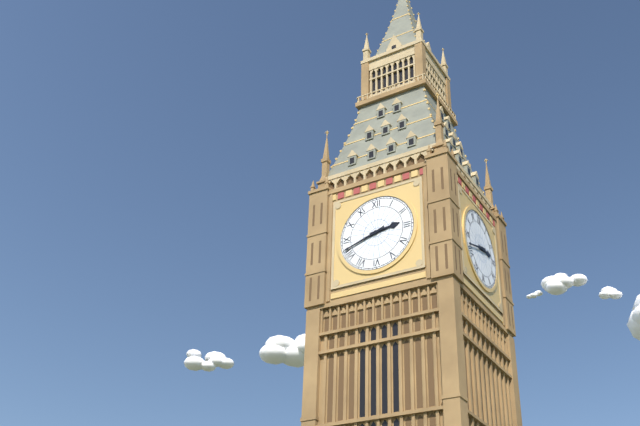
2:42
